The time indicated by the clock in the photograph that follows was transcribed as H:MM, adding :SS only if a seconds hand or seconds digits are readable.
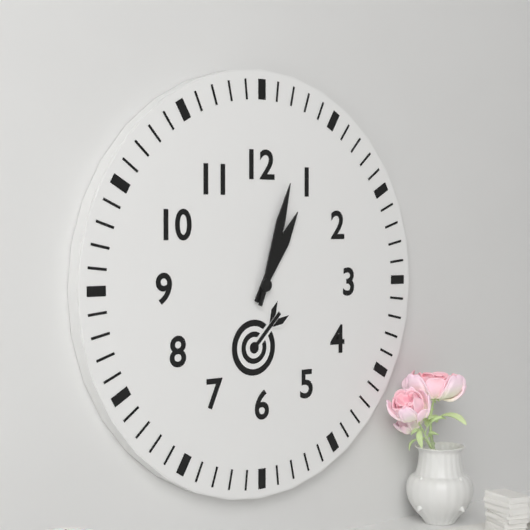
1:03
